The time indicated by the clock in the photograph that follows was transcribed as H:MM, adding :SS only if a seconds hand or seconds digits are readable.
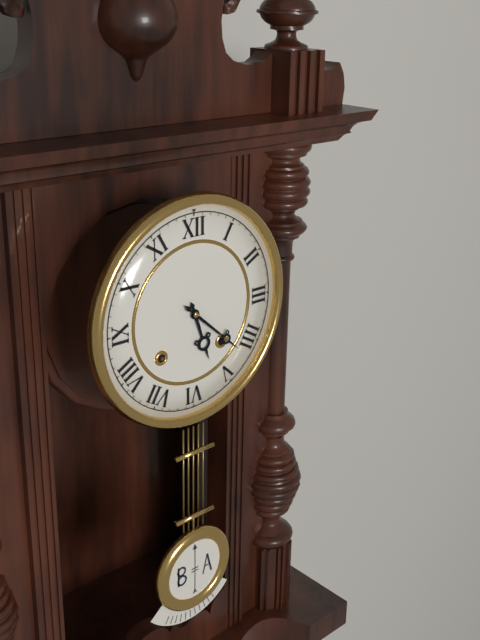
5:22
